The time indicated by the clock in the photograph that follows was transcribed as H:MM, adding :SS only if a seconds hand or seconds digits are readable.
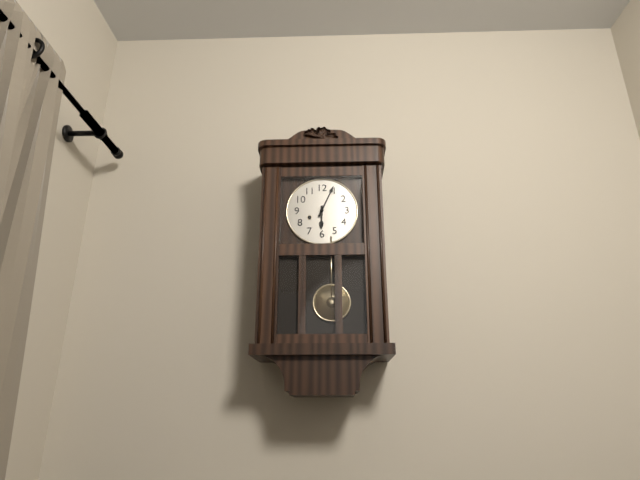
6:04
